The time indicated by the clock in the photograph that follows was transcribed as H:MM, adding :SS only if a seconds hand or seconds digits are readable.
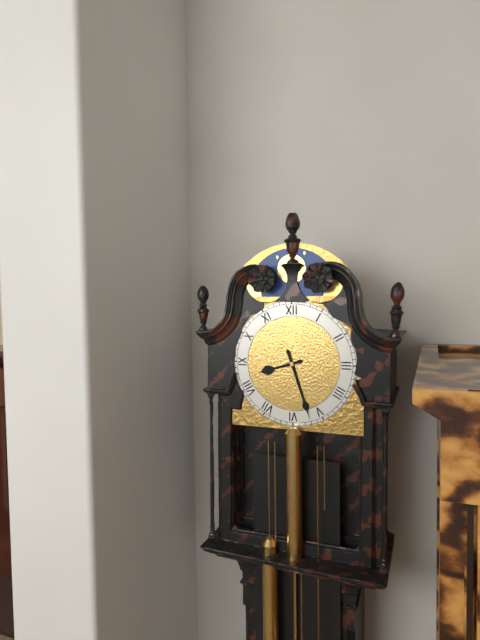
8:27
